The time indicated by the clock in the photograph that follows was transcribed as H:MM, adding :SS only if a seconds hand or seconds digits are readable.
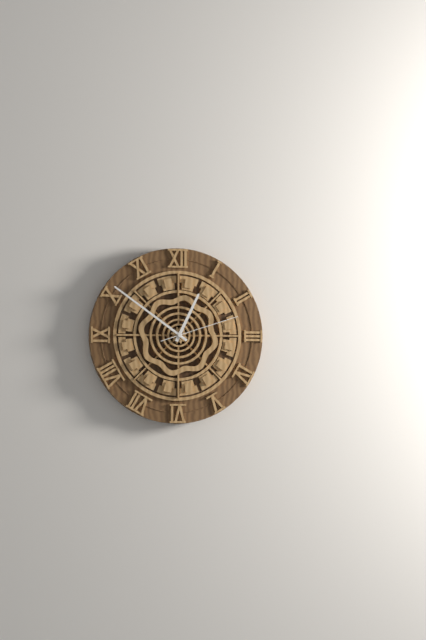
12:51:12
